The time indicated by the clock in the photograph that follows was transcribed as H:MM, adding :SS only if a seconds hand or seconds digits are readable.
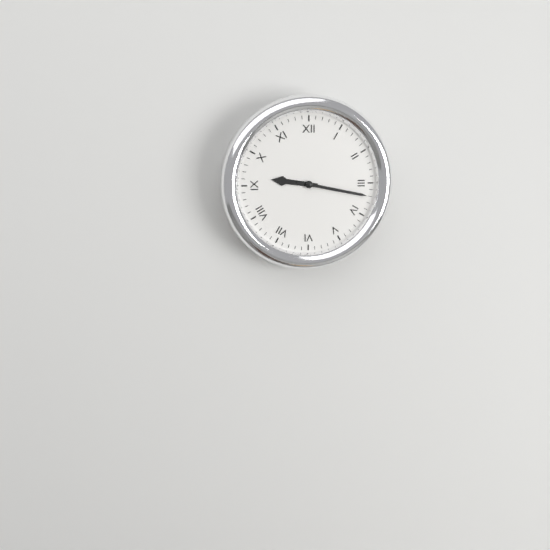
9:17
